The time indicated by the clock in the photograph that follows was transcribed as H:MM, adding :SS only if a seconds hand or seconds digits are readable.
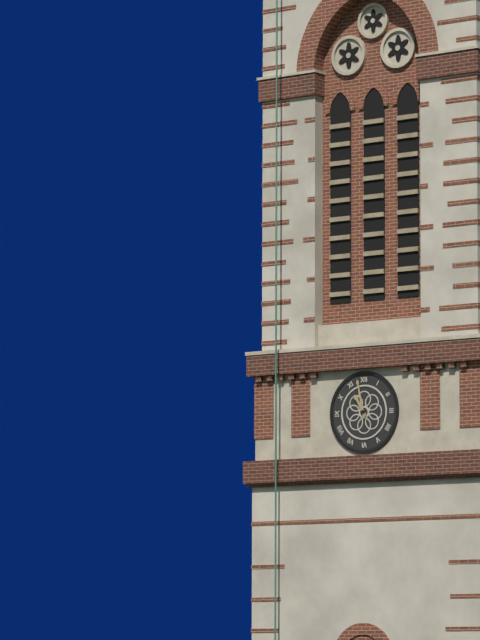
10:58
